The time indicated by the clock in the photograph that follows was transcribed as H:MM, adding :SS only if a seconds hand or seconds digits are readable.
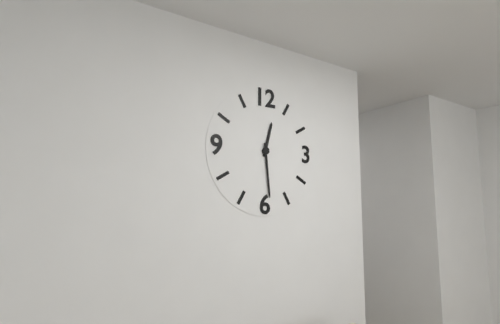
12:29
